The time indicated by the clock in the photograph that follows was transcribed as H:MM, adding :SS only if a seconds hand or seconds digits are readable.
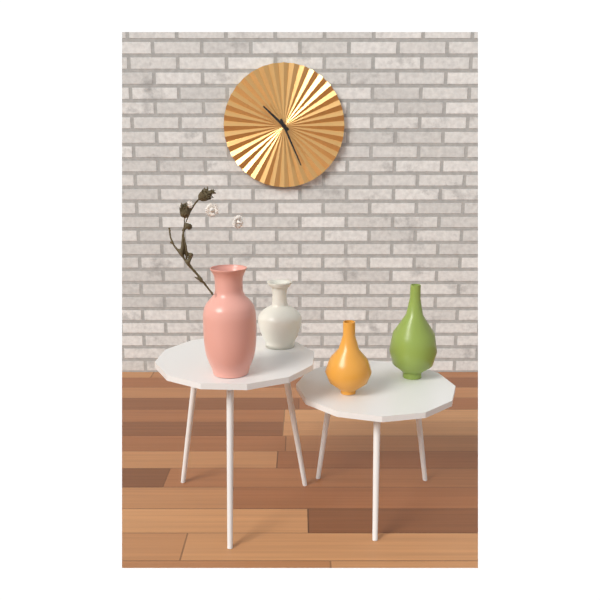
10:26
